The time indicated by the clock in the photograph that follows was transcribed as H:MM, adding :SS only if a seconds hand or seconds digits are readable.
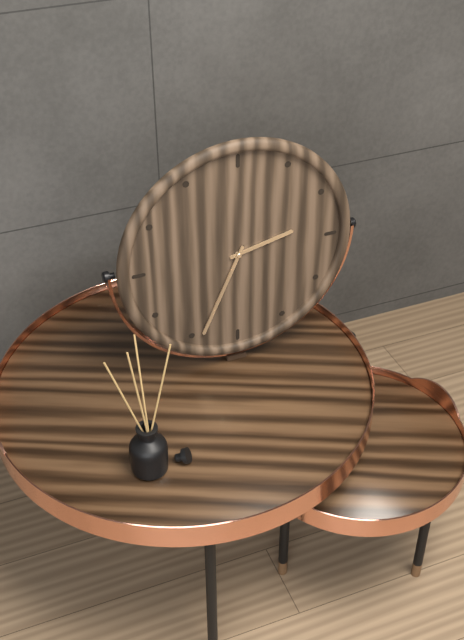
2:34
